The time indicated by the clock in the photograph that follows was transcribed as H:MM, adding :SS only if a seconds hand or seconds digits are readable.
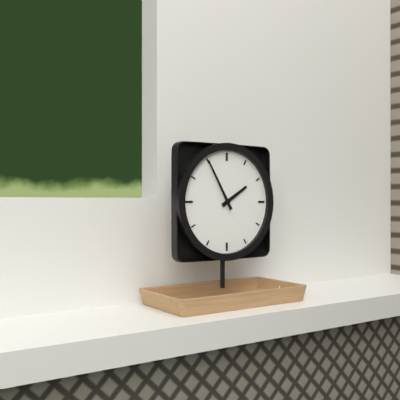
1:55
